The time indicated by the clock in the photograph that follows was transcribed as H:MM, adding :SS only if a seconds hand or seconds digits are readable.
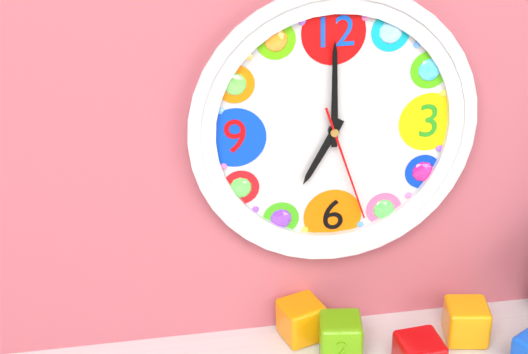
7:00:27
